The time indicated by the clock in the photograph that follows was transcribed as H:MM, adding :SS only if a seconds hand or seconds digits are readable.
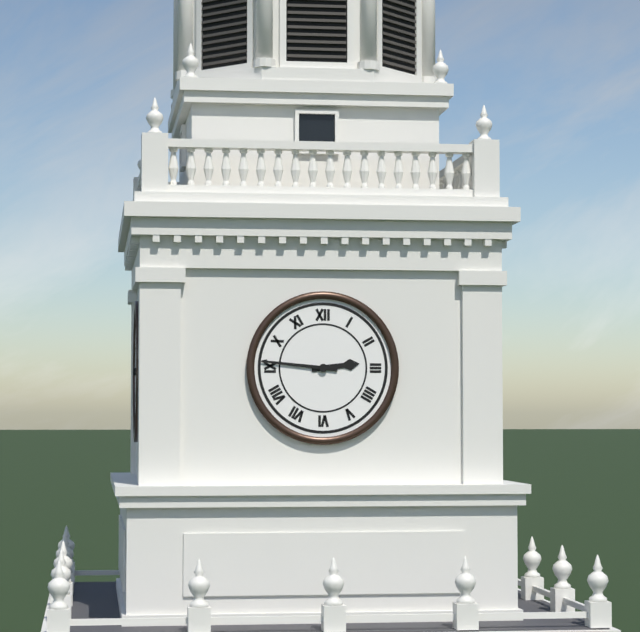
2:46
